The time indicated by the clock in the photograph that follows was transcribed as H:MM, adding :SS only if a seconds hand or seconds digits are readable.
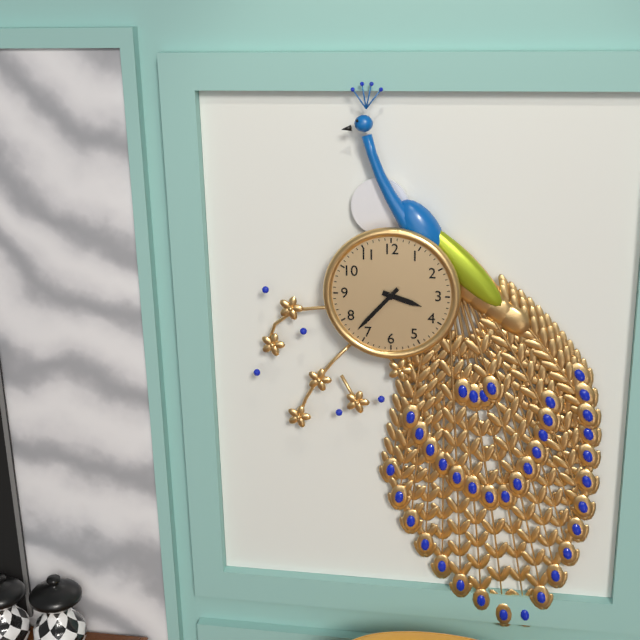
3:37
